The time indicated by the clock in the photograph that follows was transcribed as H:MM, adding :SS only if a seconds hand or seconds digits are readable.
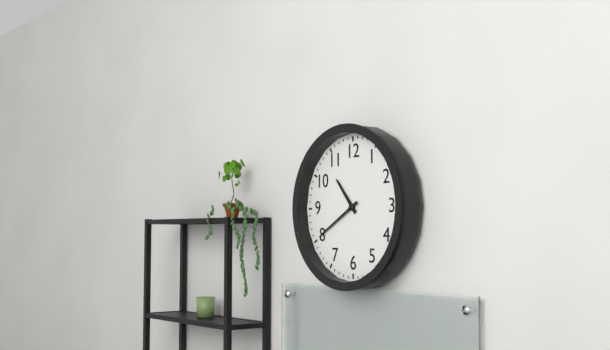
10:40
